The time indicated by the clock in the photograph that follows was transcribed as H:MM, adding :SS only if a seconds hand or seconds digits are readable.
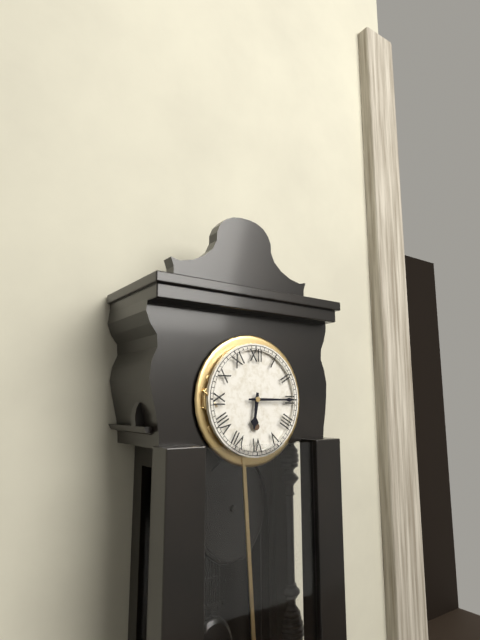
6:15
